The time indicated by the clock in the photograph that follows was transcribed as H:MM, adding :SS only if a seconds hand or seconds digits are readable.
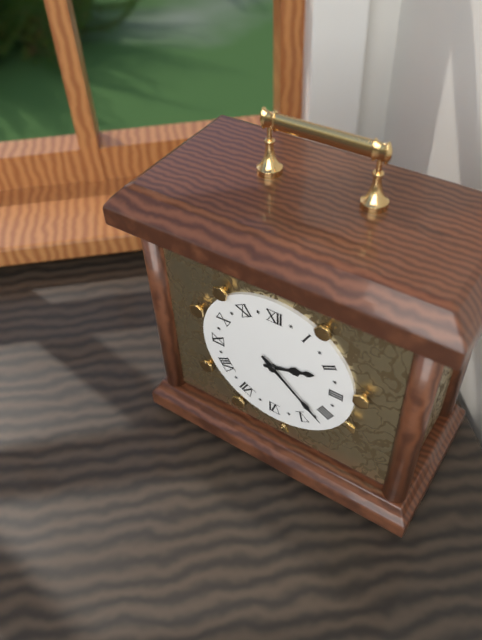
2:22
